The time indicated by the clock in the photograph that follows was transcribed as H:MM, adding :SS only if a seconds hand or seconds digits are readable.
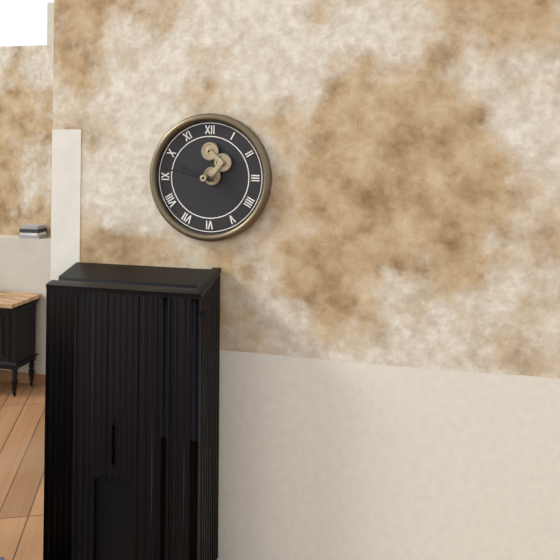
9:47
